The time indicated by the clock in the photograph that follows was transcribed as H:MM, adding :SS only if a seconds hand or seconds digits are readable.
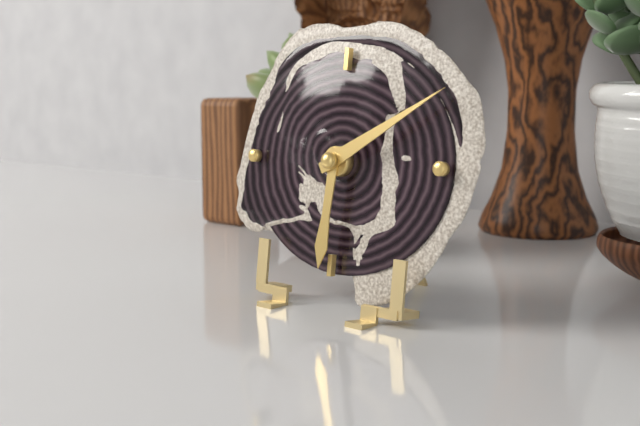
6:10
